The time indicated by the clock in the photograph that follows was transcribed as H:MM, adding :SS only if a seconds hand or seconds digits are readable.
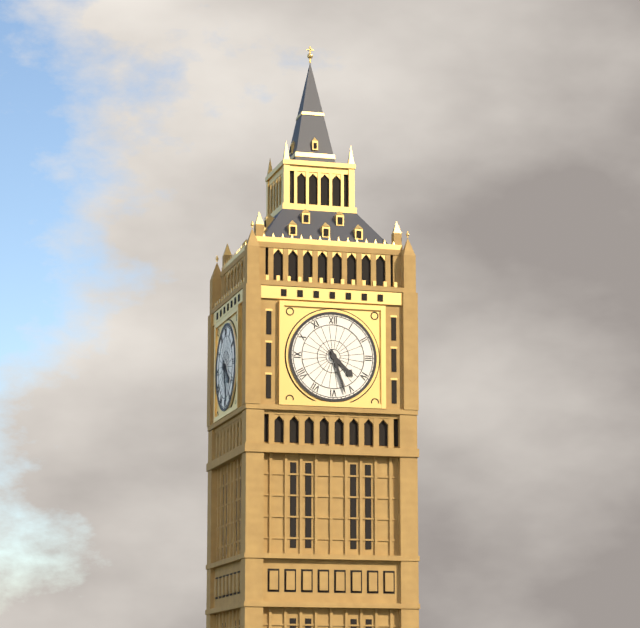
4:27
